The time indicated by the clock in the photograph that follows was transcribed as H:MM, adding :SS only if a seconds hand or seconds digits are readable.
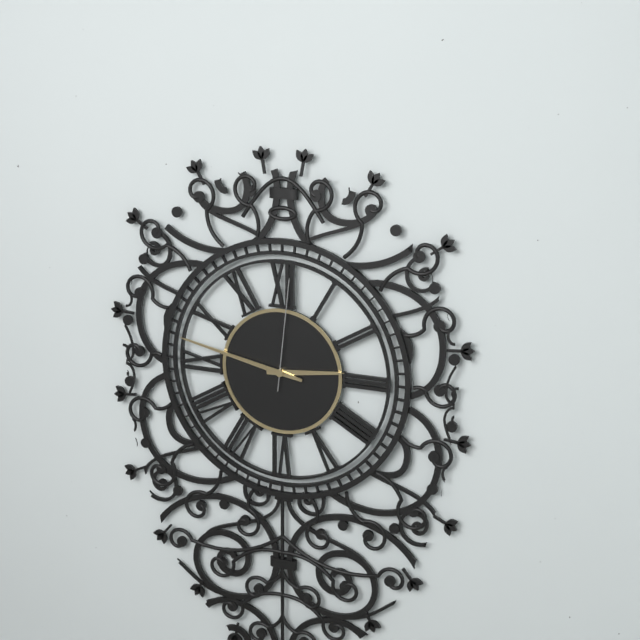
2:47:01
